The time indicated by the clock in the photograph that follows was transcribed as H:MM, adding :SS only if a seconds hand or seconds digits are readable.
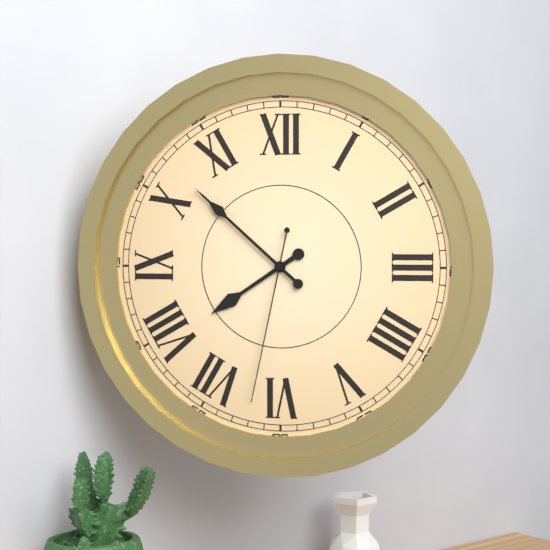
7:52:32
